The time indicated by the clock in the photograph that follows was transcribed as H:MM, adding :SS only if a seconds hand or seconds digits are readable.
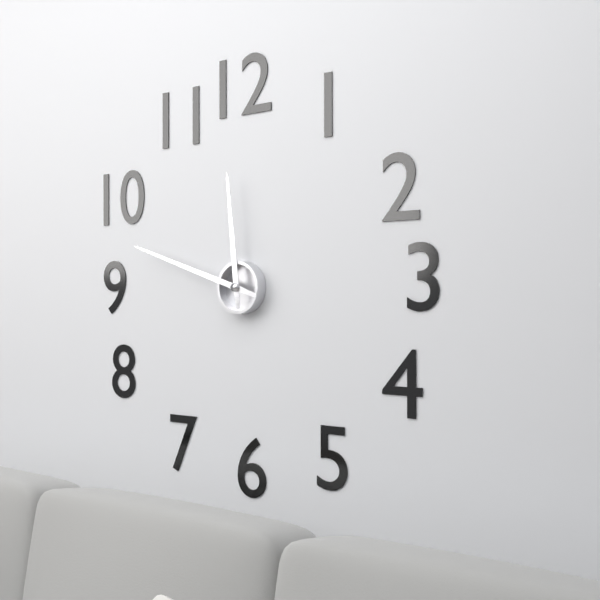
11:48
